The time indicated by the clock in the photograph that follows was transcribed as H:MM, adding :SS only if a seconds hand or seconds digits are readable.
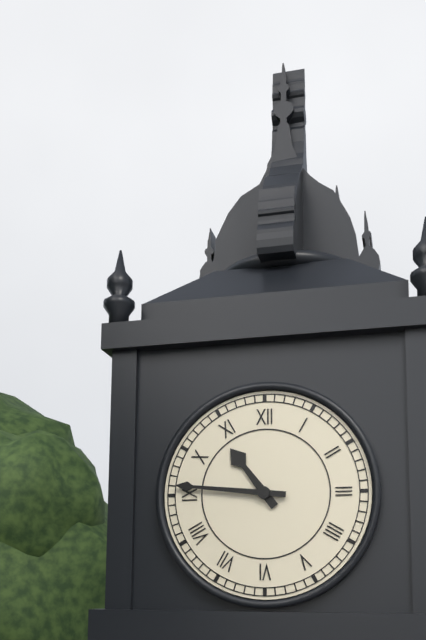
10:46
